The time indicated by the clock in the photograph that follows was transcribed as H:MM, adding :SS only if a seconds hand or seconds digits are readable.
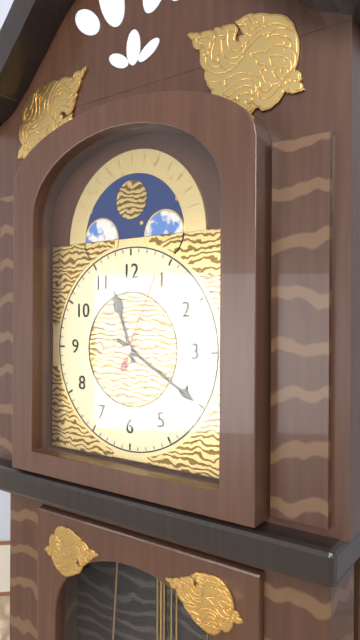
11:20:04
